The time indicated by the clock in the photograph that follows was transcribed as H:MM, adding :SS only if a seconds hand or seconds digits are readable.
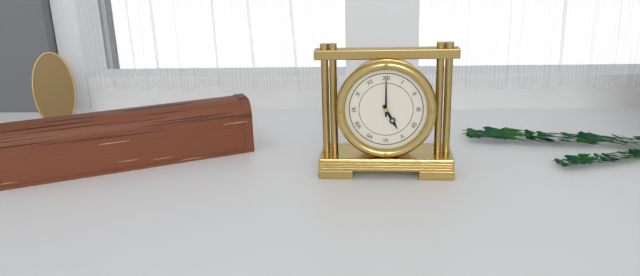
5:00
